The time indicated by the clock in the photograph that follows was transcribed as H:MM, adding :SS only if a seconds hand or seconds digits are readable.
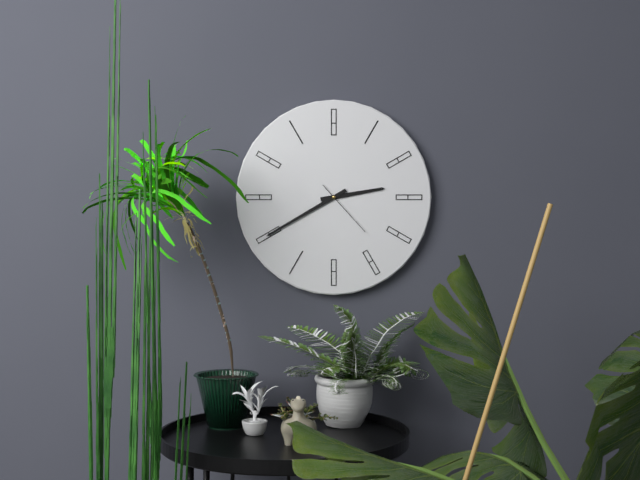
2:40:23
